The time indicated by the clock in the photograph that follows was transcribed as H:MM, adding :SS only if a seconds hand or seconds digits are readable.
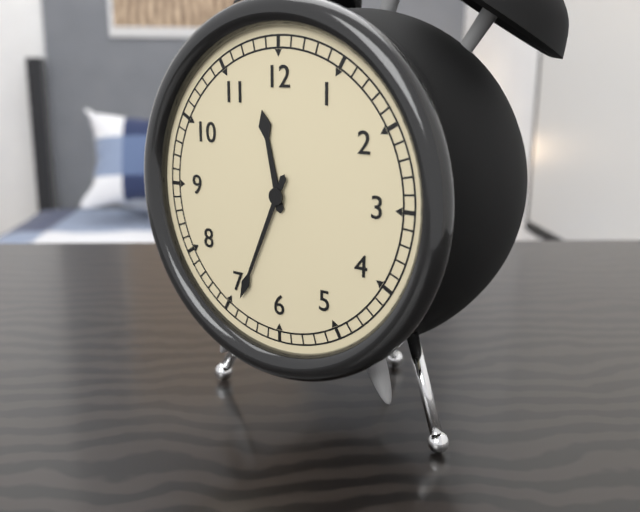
11:34
